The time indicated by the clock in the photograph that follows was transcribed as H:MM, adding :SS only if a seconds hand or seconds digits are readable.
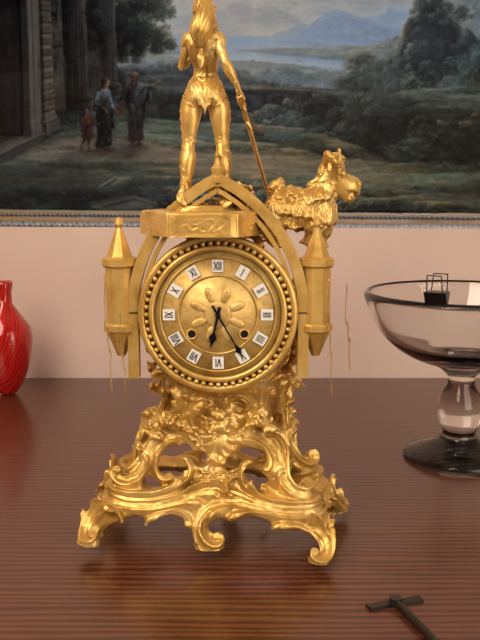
6:25
